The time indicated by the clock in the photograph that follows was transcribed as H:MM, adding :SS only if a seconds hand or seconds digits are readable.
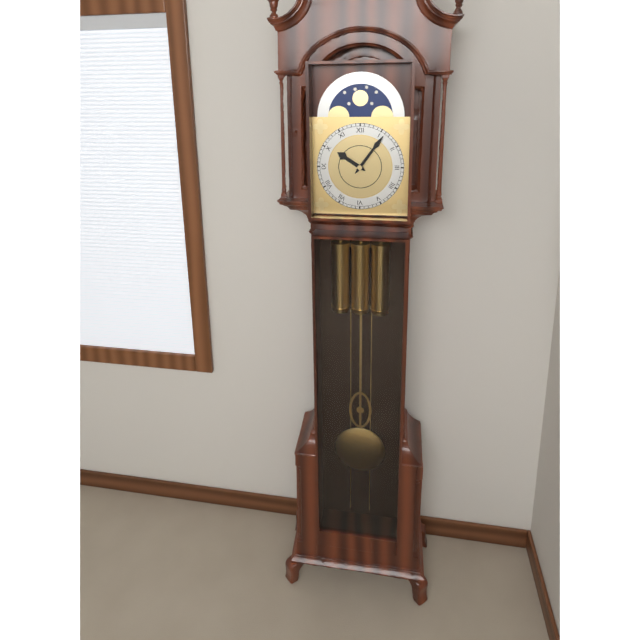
10:06
